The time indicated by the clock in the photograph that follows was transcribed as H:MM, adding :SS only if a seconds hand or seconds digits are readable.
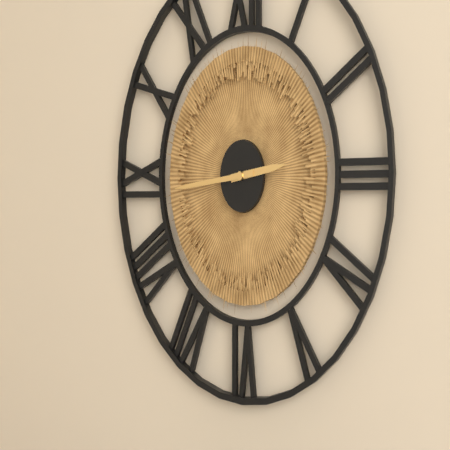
2:44
